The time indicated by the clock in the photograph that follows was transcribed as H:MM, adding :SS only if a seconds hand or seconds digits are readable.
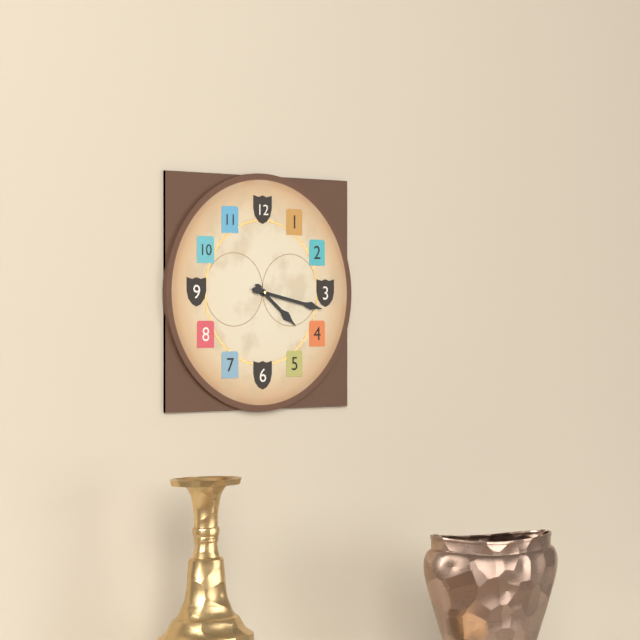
4:17
